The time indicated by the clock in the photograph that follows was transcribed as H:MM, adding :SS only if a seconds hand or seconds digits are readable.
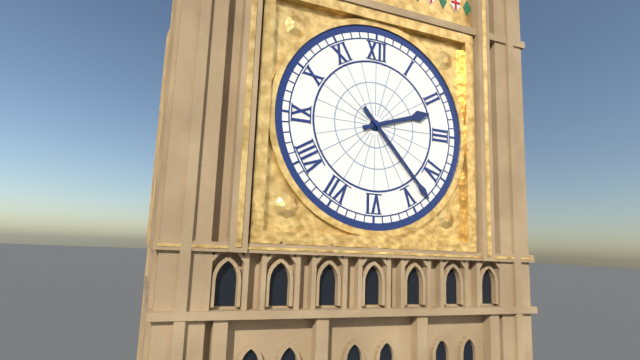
2:23
